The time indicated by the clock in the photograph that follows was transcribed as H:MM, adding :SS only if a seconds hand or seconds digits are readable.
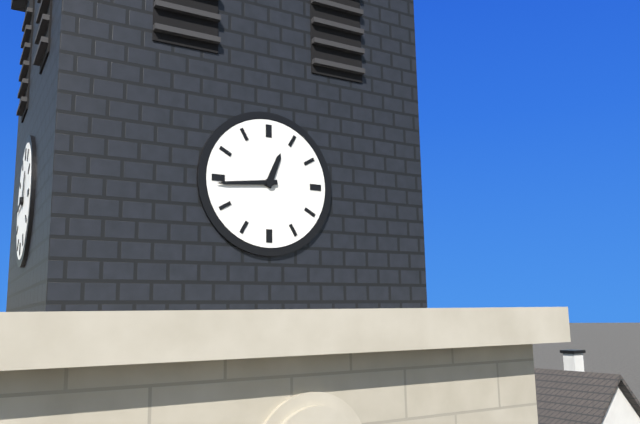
12:44
